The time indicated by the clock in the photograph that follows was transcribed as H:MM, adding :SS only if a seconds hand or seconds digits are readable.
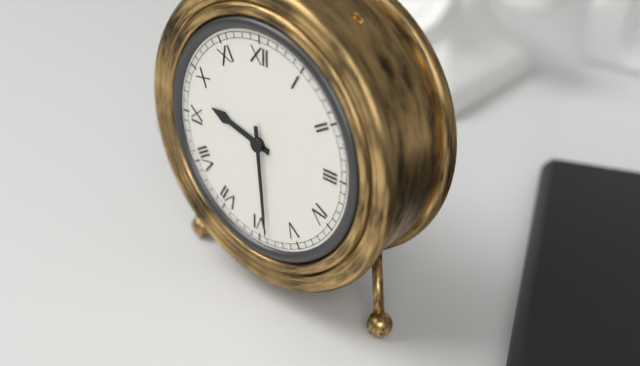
9:29
